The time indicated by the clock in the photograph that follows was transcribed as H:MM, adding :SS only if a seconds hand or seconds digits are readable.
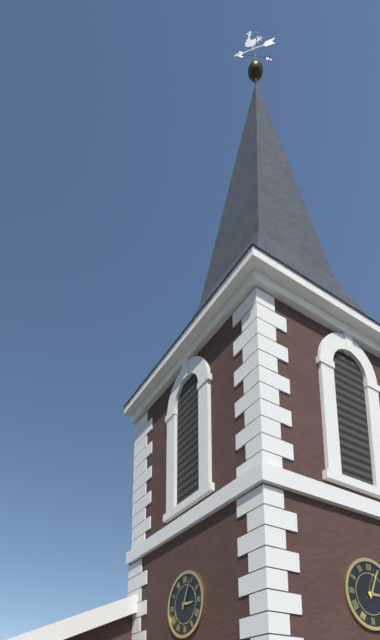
3:04
